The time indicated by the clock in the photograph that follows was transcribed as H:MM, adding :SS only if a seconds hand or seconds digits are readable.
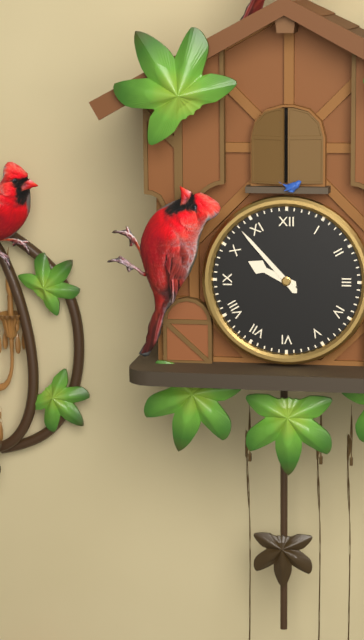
9:53
